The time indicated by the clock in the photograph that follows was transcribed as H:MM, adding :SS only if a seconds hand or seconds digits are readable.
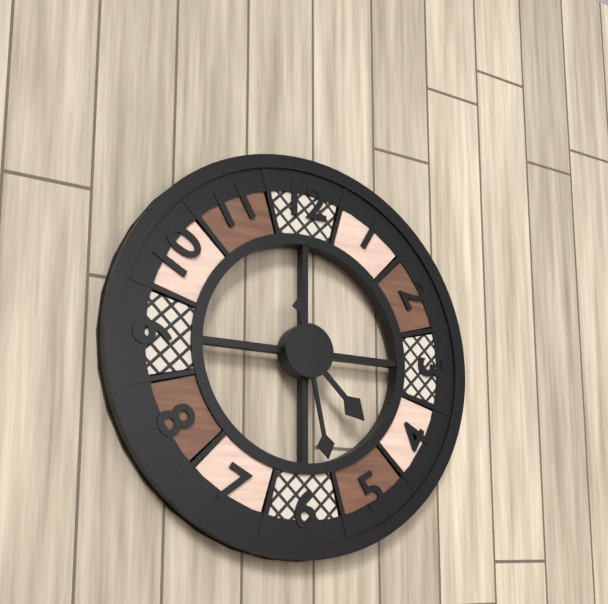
4:28
